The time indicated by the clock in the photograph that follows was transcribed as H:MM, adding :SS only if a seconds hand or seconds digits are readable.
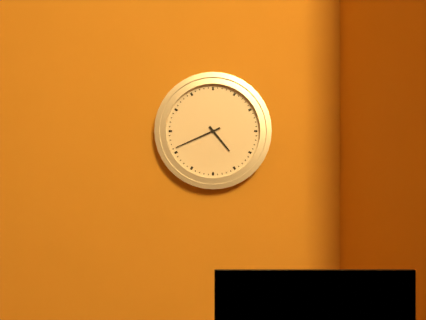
4:41
